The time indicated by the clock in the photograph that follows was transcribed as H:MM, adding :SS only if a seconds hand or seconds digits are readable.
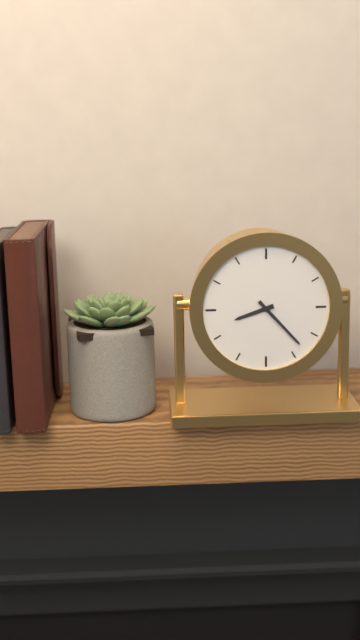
8:23
